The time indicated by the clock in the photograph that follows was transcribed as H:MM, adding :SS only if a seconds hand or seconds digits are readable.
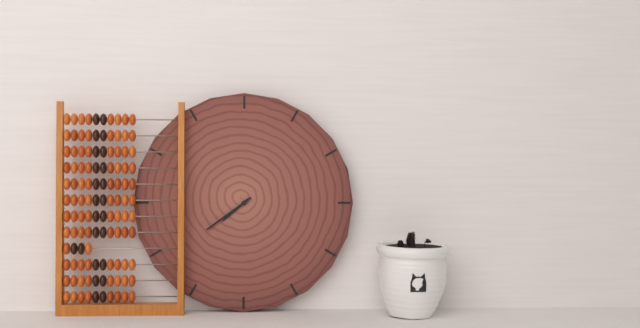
7:39
